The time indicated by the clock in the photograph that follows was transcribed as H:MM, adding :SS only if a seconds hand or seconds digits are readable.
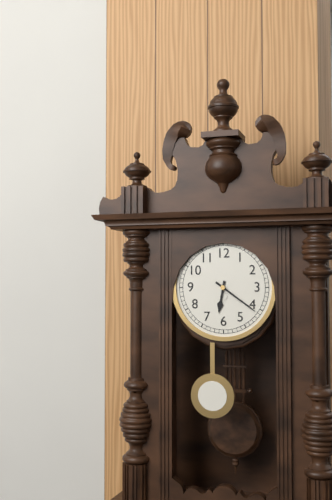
6:21
